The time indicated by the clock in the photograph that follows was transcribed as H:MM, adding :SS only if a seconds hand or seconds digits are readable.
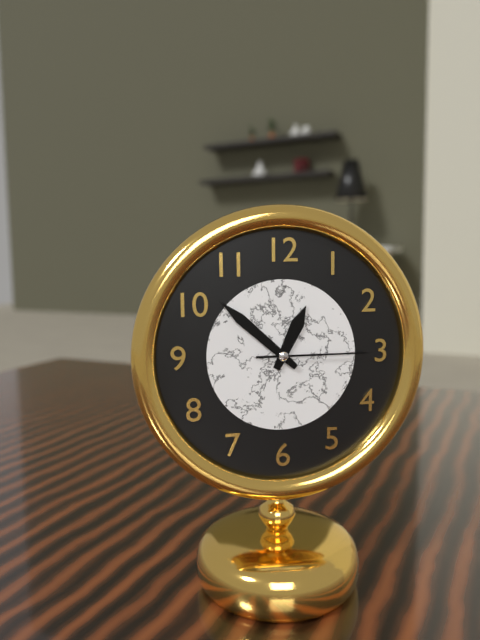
12:52:15
